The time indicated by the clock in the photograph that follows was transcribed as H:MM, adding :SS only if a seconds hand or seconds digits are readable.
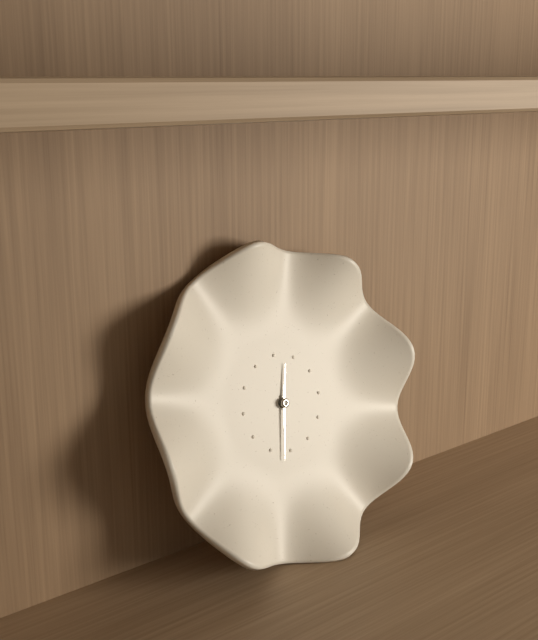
12:32
